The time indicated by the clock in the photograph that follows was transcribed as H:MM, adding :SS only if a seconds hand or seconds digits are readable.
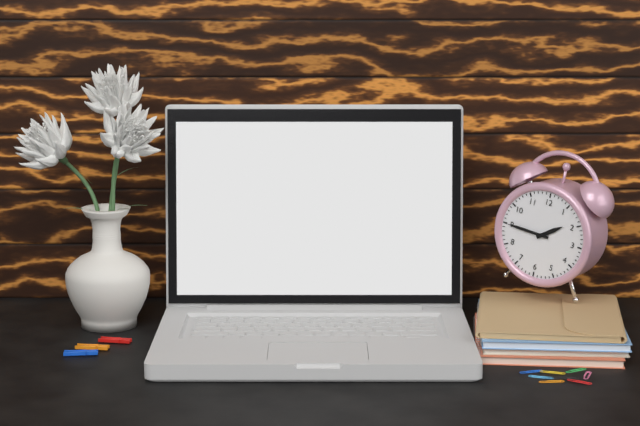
1:45
